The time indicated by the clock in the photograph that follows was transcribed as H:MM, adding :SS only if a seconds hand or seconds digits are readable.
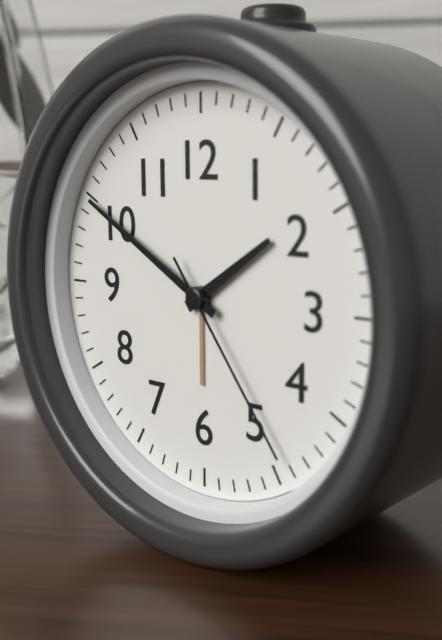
1:50:24
